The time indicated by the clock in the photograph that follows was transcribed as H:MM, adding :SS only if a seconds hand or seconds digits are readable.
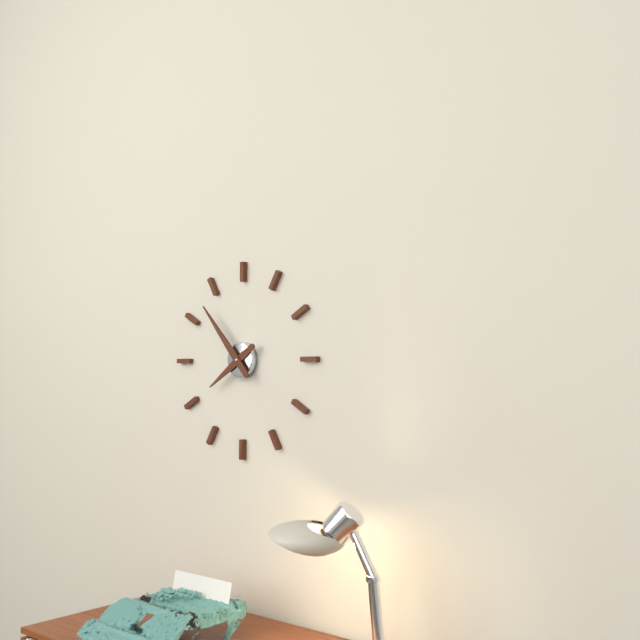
7:53
